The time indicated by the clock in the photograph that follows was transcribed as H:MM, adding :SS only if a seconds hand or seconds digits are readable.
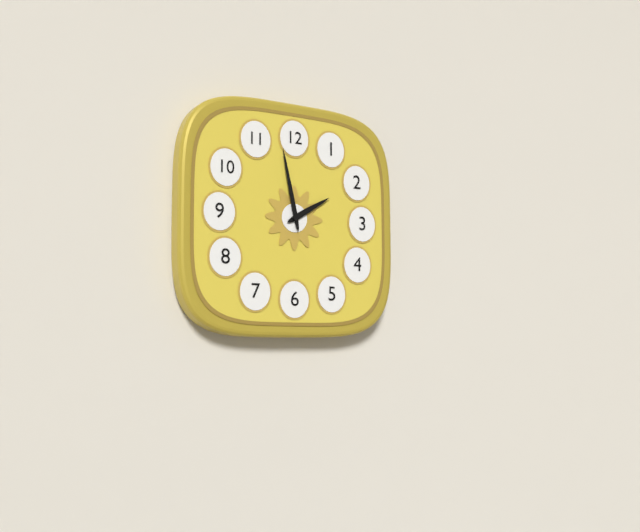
1:58
